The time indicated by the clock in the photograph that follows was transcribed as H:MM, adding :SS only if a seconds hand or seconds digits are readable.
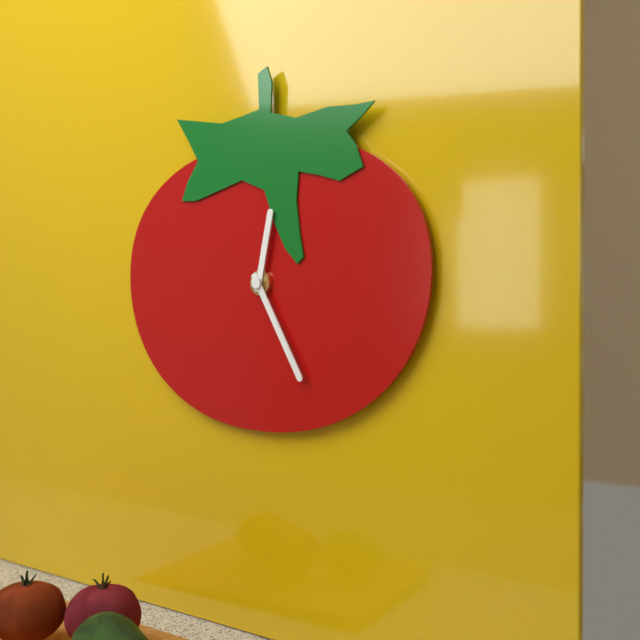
12:25
